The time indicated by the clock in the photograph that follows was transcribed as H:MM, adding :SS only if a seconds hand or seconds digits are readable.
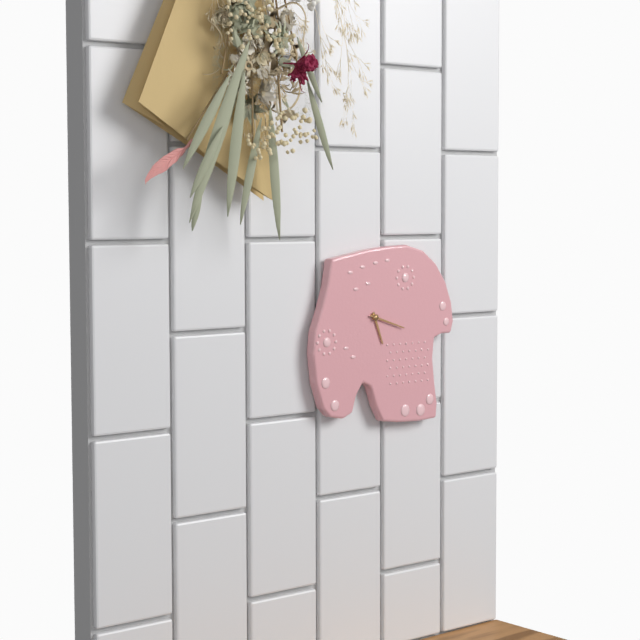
5:18
